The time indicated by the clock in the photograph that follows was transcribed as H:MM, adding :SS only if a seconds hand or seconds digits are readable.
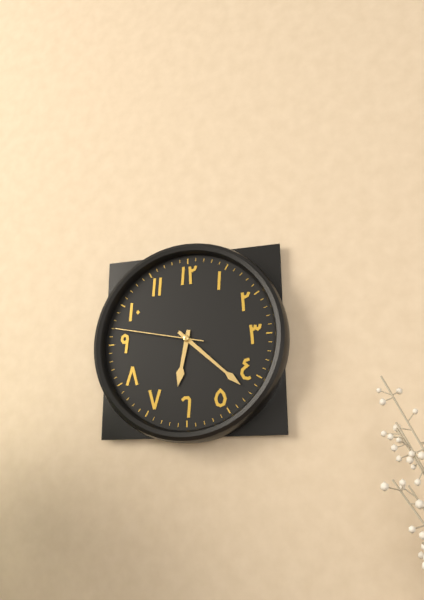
6:22:47
